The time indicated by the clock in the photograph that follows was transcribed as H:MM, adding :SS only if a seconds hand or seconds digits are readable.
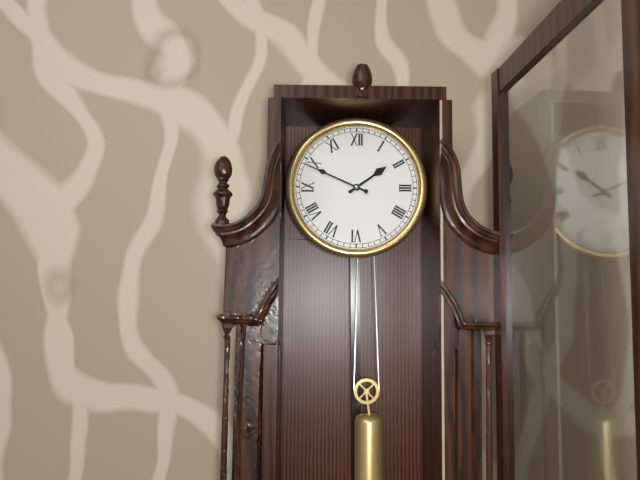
1:49
